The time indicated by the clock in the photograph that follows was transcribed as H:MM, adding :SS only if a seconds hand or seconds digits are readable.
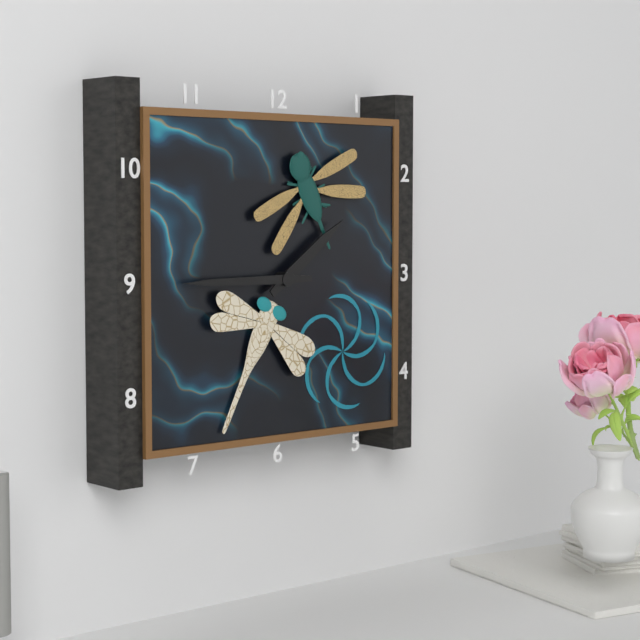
1:45
